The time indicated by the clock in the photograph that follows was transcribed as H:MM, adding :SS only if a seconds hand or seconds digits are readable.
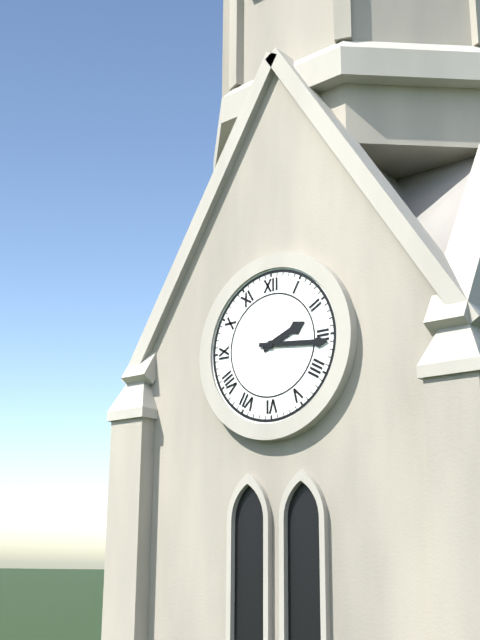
2:16
